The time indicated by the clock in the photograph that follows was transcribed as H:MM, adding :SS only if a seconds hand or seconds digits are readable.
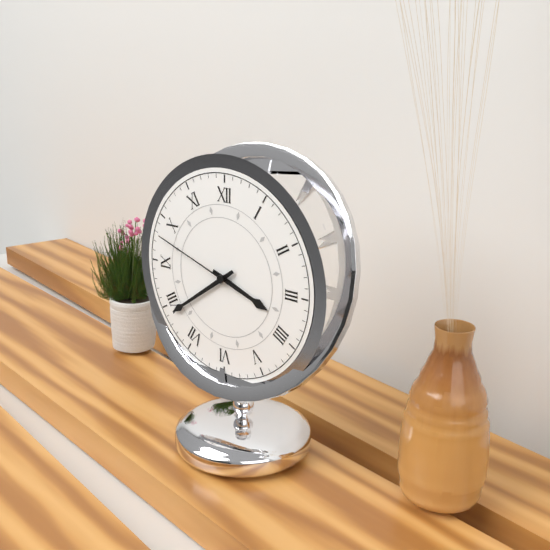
3:39:48
